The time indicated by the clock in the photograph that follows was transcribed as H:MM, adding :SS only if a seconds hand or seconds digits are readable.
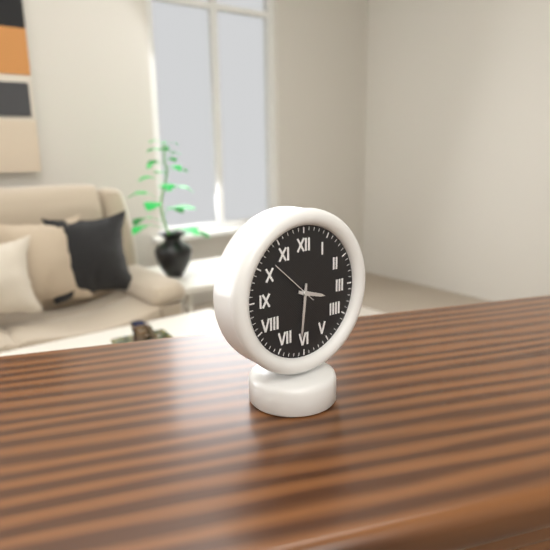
3:31
